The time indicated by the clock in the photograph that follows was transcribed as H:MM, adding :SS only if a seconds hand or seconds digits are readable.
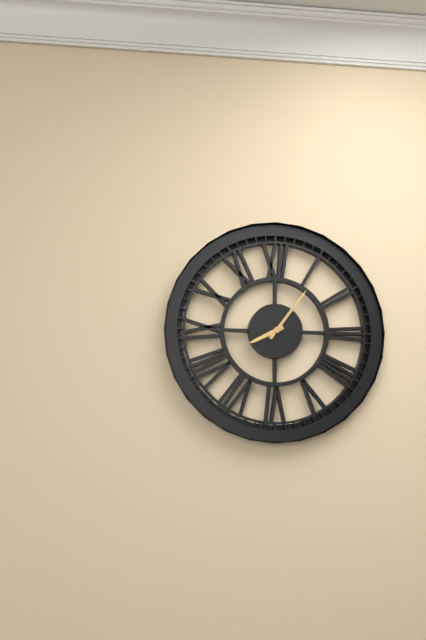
8:06
